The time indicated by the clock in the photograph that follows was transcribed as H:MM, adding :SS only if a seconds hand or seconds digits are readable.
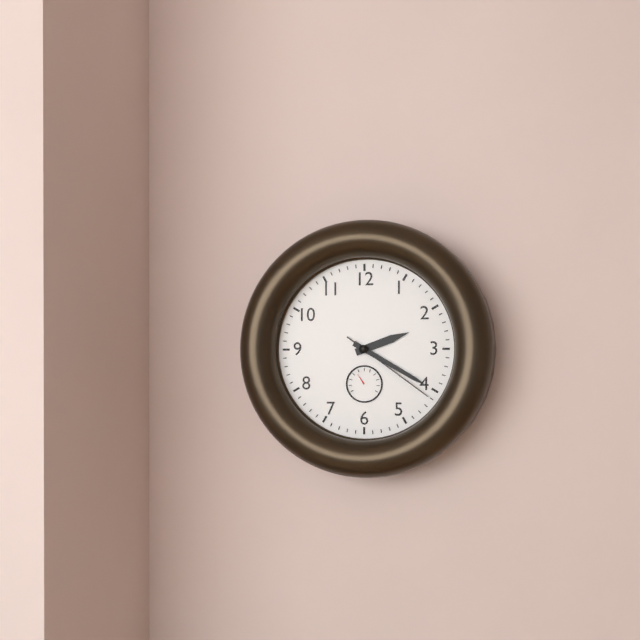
2:20:21
